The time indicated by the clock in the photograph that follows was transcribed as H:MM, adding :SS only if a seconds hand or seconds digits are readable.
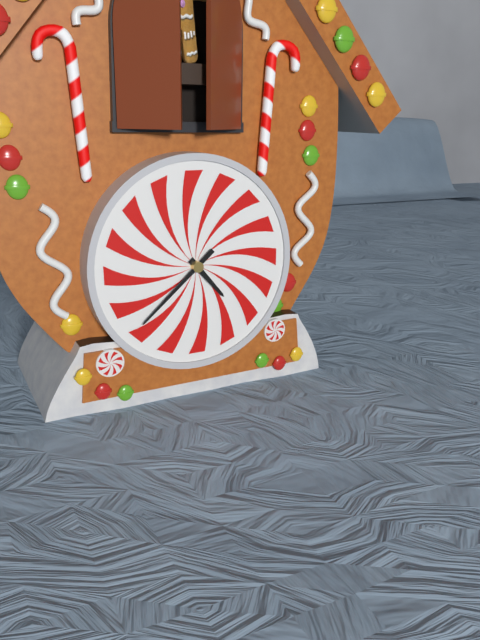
4:38
